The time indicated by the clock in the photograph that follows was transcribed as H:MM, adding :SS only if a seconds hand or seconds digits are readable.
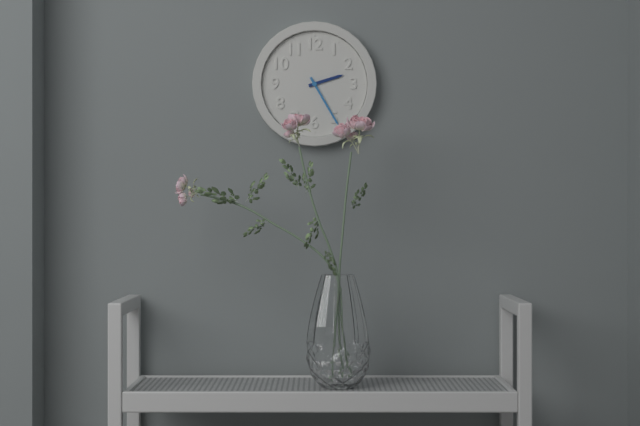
2:25
